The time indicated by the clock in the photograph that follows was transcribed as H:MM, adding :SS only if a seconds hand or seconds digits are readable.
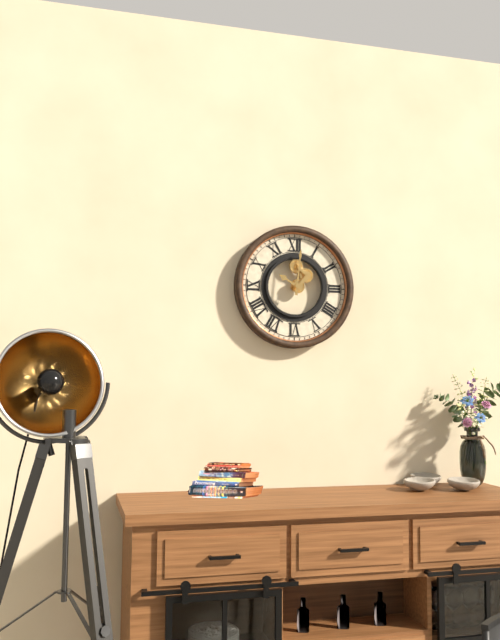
10:01
